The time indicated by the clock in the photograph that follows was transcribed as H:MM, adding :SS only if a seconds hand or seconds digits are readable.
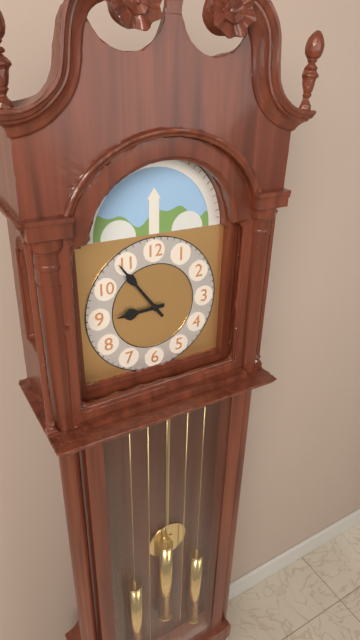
8:54
